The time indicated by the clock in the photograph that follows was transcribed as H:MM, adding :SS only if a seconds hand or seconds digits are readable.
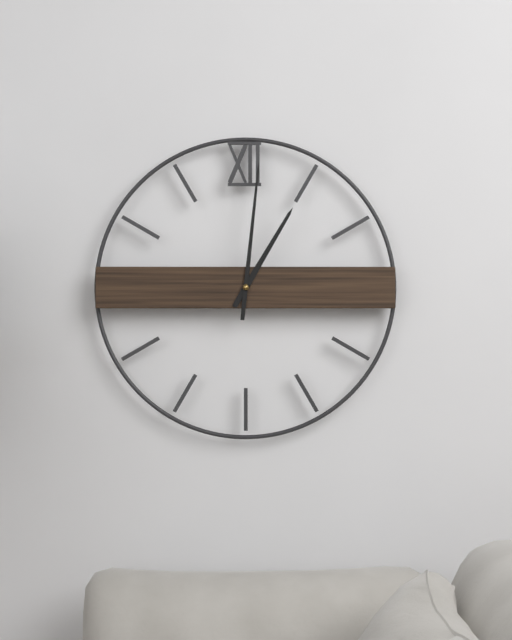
1:01
